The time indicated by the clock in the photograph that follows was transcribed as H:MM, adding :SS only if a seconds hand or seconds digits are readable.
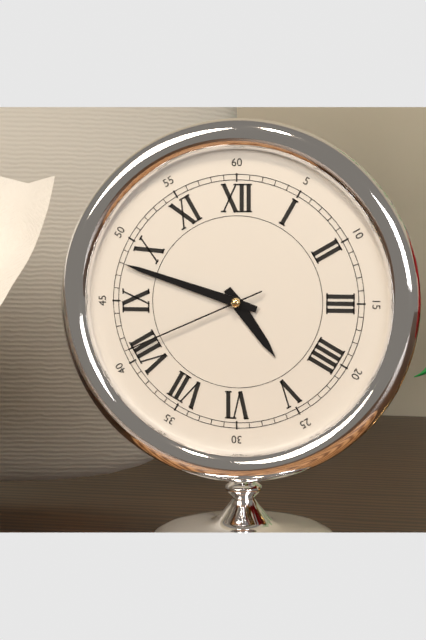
4:48:41
